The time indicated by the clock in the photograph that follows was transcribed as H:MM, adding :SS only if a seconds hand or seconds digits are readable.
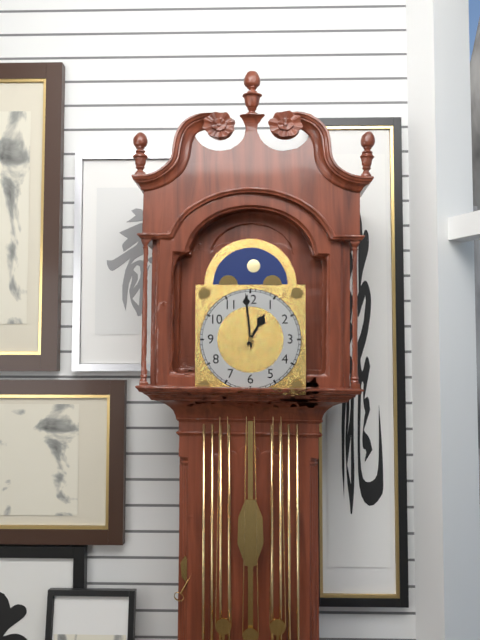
12:59
